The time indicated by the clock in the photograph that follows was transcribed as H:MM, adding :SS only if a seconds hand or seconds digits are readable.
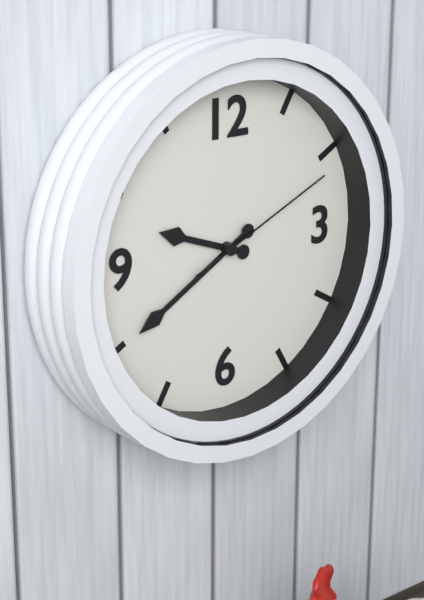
9:40:11
